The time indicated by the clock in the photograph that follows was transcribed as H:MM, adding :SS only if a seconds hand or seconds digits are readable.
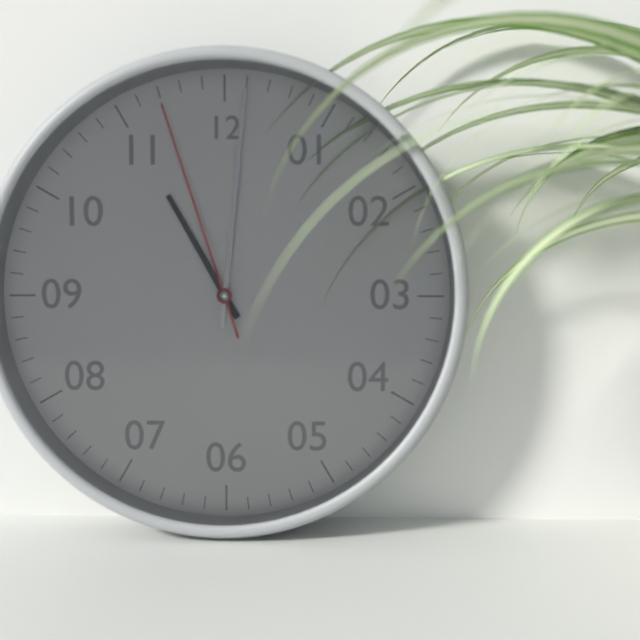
11:01:57
